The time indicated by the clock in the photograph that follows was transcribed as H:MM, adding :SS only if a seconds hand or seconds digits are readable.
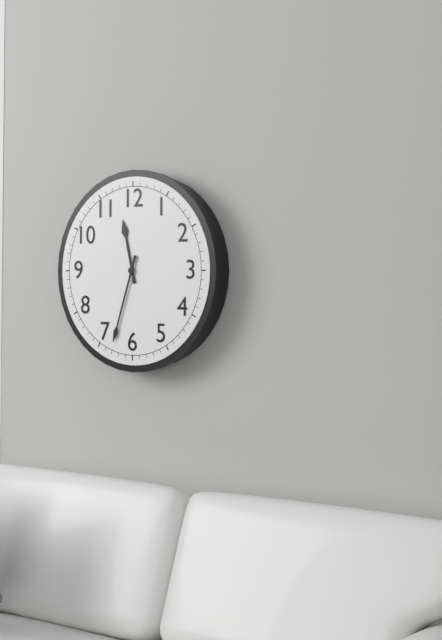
11:33
